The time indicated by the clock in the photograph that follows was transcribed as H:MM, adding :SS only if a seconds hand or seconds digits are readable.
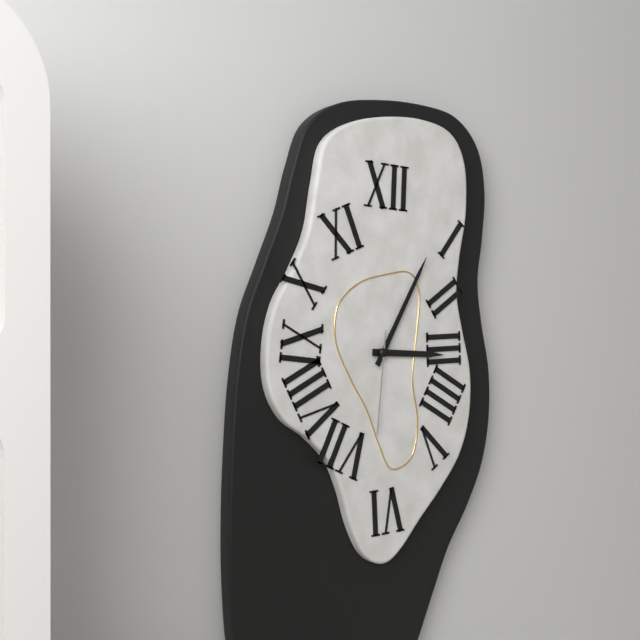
3:05:31
